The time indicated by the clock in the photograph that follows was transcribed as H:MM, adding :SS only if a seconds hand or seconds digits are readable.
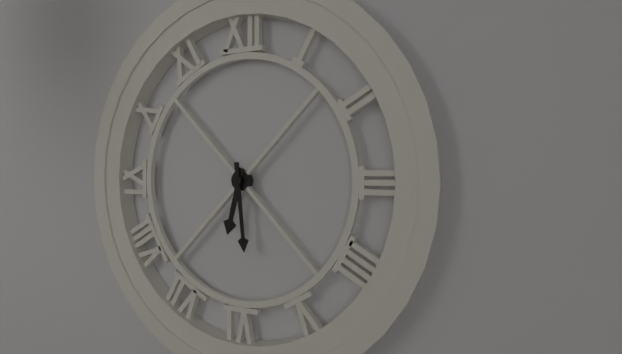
6:29
